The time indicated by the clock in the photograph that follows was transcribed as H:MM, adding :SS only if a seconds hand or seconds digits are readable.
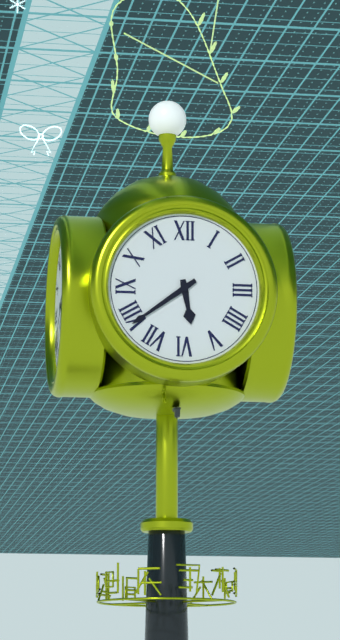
5:39
